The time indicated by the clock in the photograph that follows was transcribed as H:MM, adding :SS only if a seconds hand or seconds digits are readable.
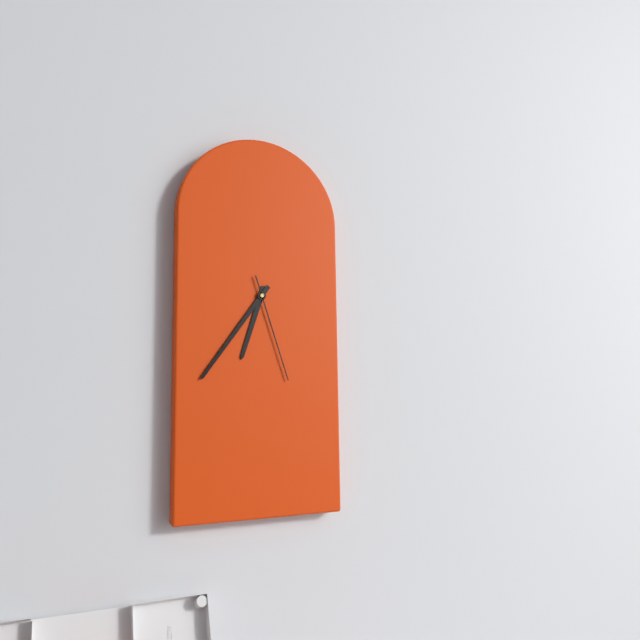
6:36:27
